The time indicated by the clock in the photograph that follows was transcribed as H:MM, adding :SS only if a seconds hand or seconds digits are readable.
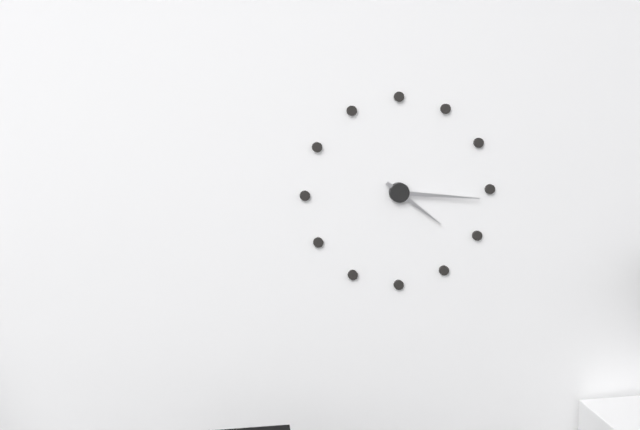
4:16
